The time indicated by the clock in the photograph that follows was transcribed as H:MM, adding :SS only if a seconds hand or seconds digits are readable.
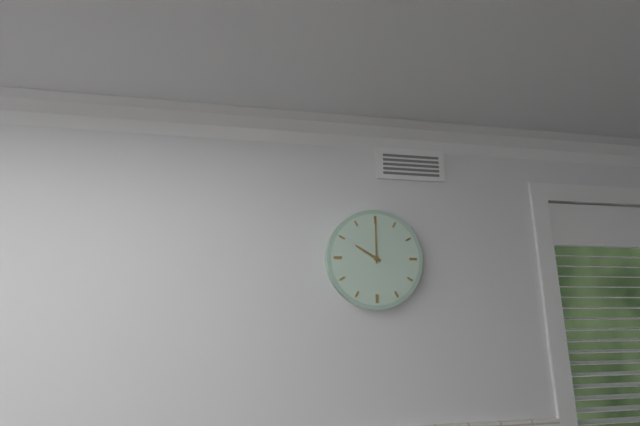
10:00
